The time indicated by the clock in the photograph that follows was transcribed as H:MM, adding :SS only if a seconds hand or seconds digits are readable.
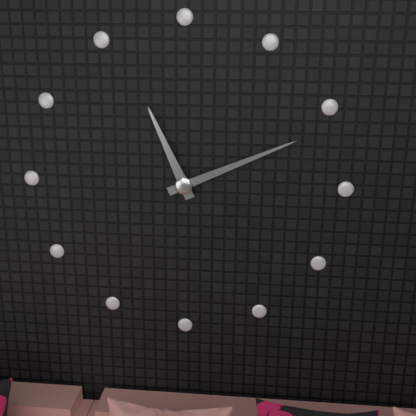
11:11
